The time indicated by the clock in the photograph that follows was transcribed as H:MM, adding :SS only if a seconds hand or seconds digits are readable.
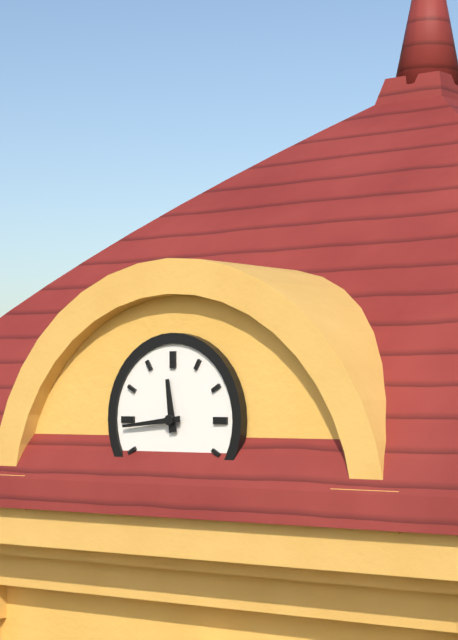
11:44
